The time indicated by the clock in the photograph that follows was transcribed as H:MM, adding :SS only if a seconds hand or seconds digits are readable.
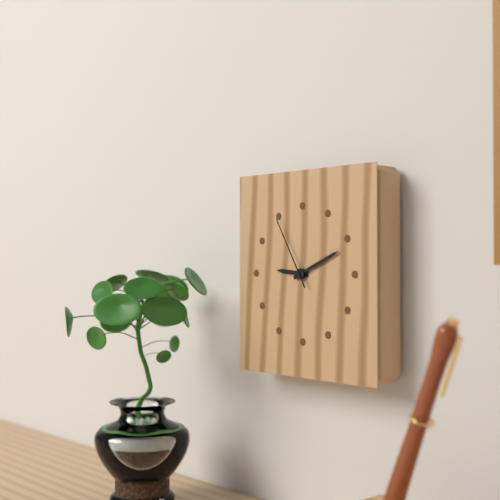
9:11:55
